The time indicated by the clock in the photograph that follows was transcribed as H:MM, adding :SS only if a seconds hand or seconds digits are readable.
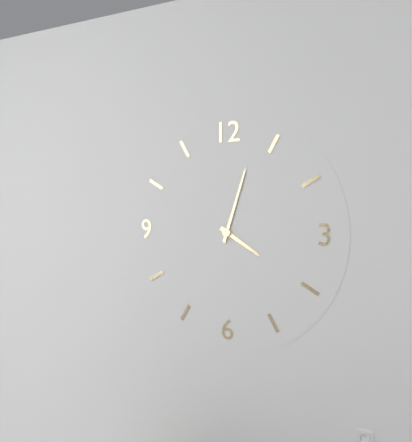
4:03
